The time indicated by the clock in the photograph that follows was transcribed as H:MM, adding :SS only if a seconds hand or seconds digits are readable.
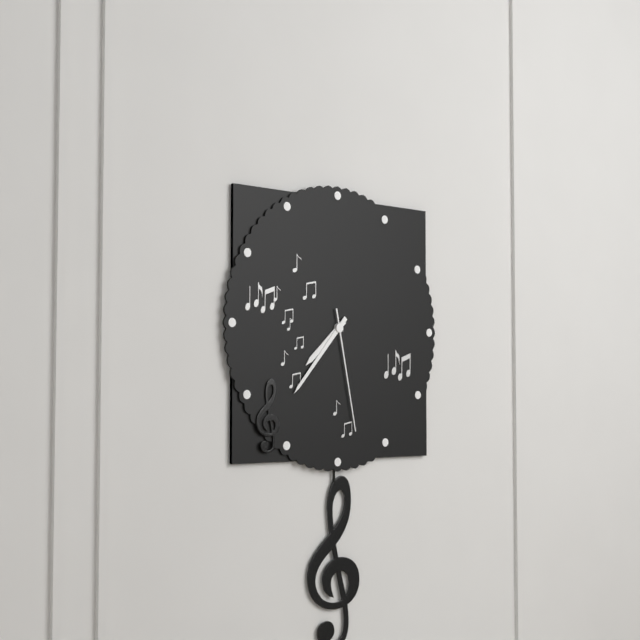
7:37:28
